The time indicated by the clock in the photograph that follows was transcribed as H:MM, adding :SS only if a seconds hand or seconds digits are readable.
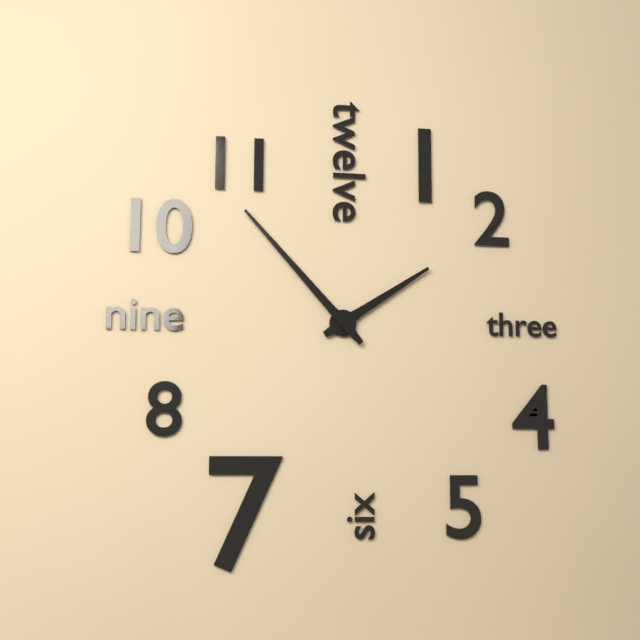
1:53
